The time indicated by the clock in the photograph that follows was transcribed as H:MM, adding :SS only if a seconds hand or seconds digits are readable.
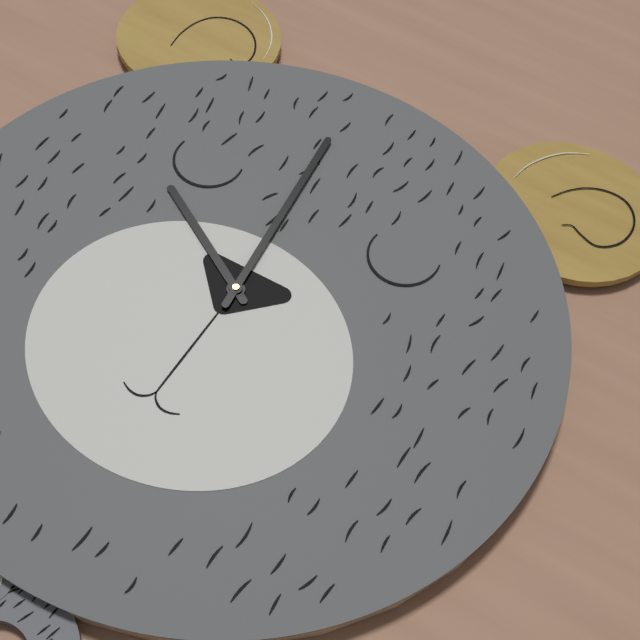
9:59
